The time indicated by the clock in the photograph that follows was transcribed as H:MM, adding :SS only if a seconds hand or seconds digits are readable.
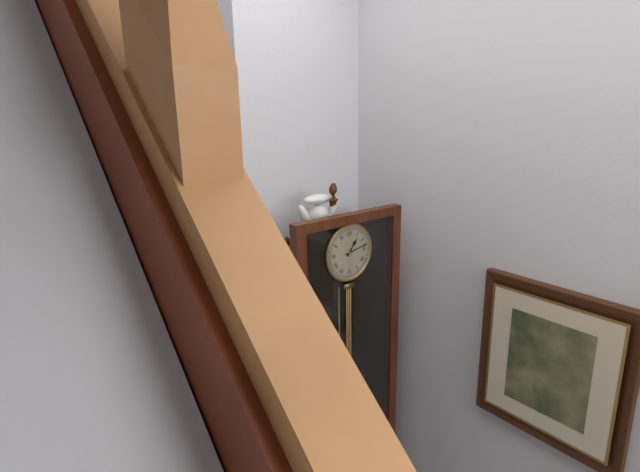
1:13
